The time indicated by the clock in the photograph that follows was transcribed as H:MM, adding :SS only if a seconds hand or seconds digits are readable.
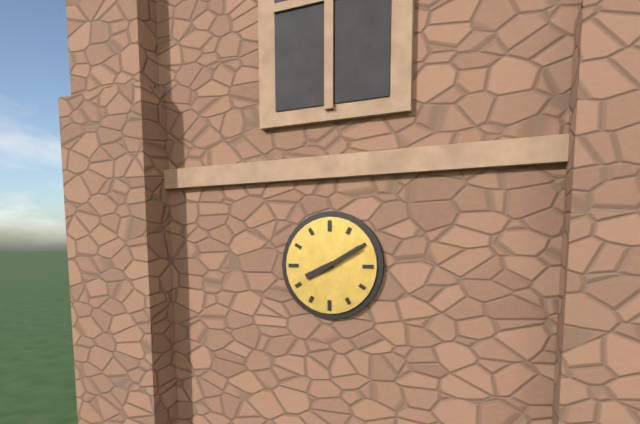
8:10
